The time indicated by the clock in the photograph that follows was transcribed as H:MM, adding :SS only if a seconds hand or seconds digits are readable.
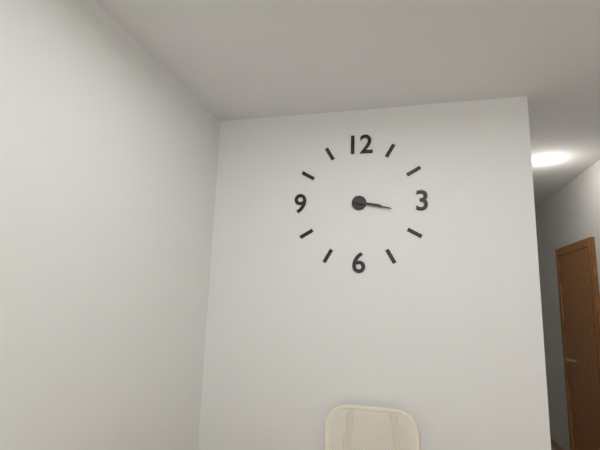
3:17
